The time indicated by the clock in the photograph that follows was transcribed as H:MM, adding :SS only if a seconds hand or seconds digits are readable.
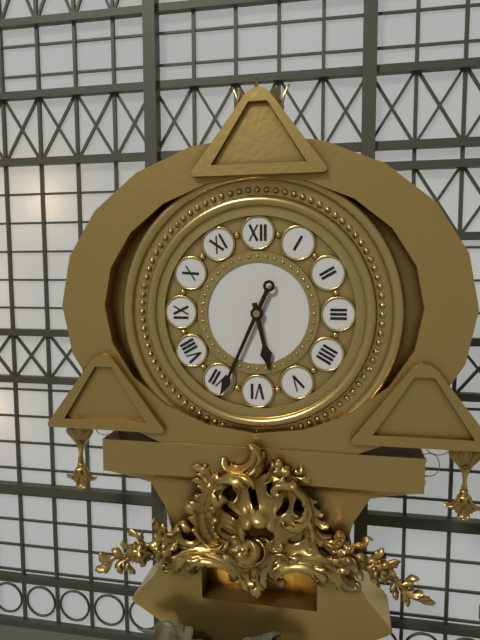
5:34
